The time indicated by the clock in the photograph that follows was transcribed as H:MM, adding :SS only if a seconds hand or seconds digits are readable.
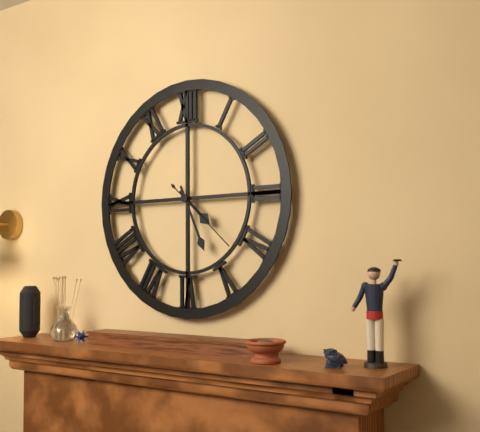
4:26:22
